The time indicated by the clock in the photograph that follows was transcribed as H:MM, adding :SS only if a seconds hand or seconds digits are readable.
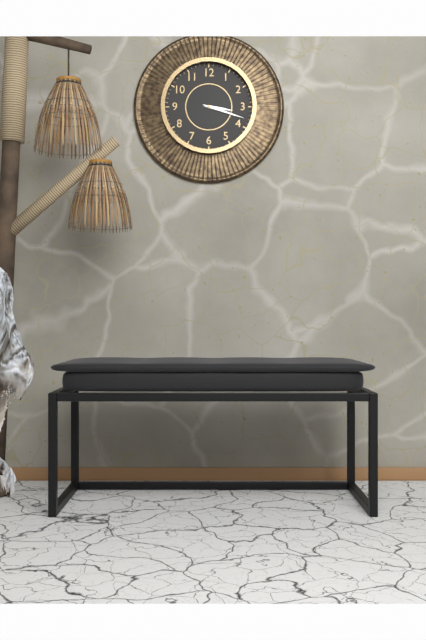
3:18
